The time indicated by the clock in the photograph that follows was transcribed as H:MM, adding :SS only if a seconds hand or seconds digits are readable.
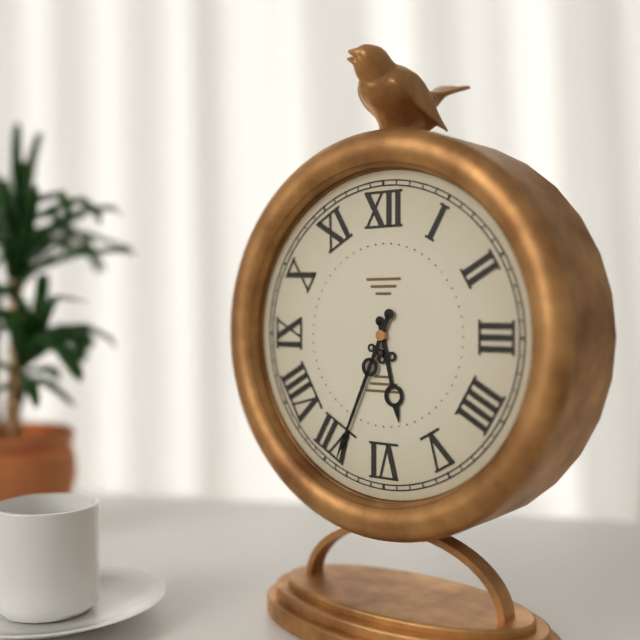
5:34
